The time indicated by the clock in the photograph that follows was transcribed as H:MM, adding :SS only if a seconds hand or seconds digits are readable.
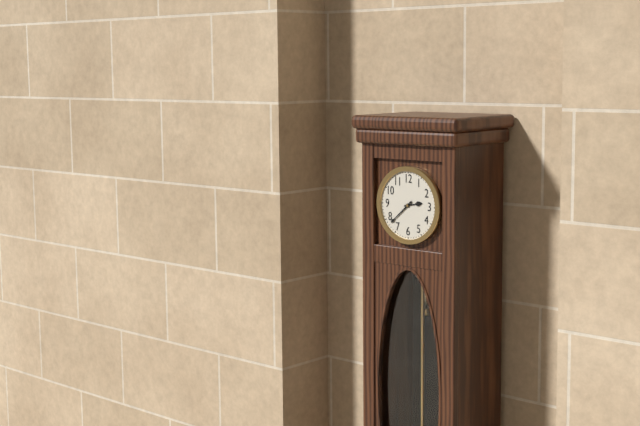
2:38
